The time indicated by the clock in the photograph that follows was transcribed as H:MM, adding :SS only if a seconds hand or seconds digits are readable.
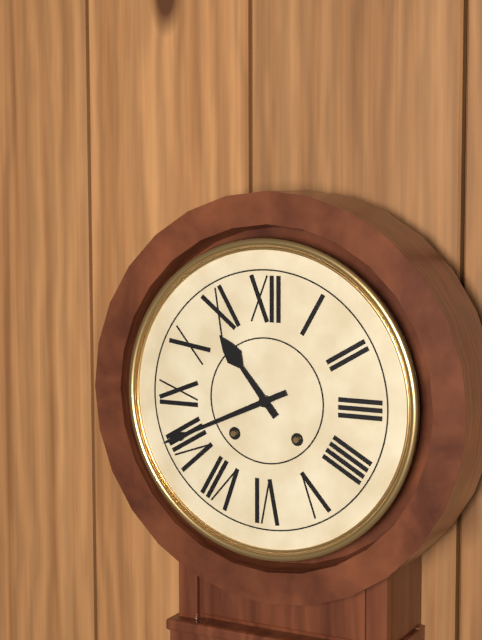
10:41
